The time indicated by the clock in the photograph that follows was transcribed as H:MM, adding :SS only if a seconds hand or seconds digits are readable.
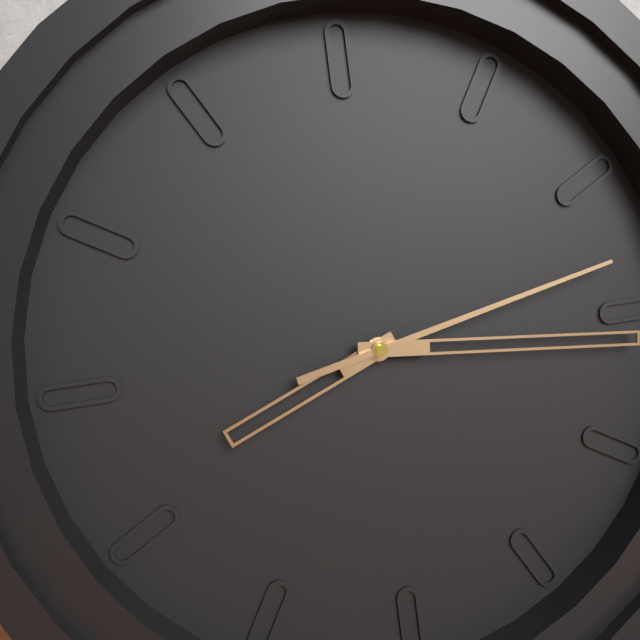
8:16:13
